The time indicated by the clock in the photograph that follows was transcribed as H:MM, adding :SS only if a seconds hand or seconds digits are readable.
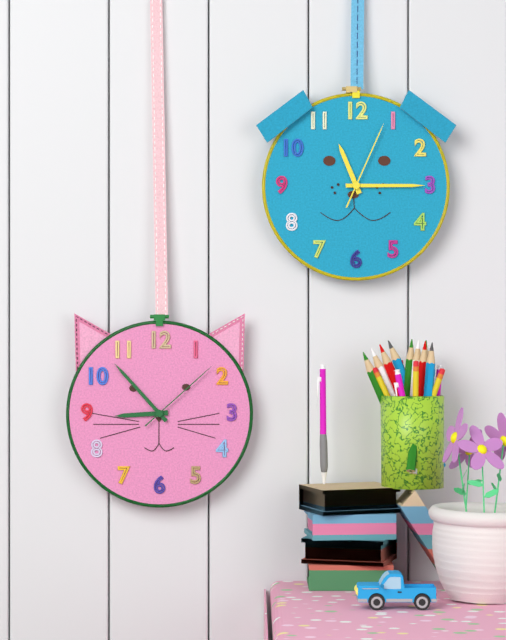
8:53:08
